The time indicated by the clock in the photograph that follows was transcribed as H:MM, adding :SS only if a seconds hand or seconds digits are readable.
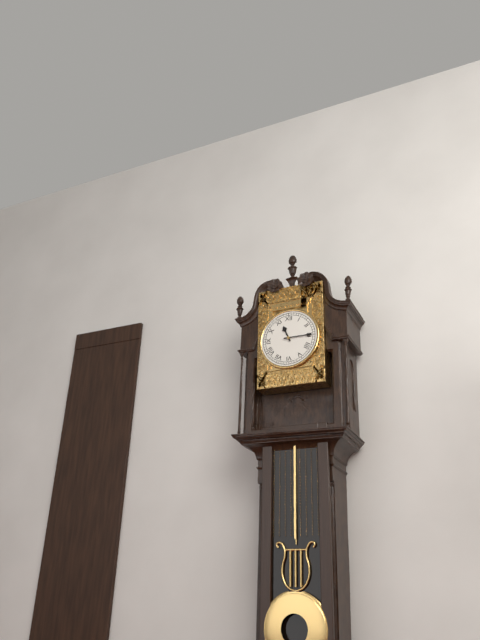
11:15
